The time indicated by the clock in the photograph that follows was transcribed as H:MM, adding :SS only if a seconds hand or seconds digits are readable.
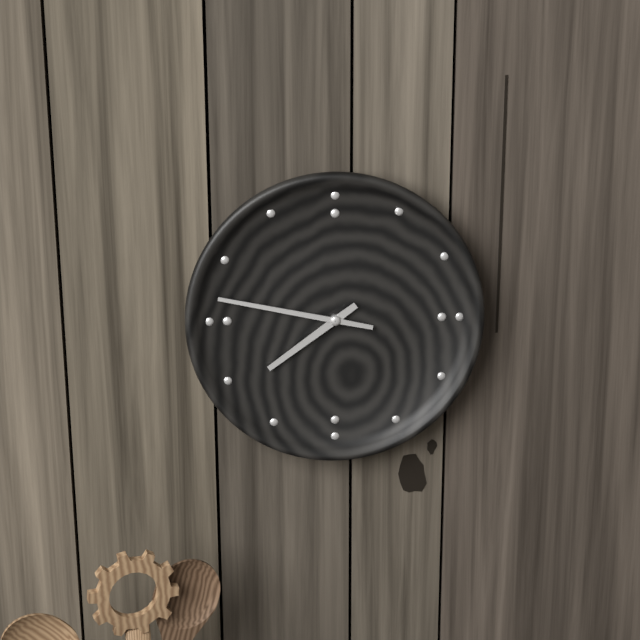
7:47
